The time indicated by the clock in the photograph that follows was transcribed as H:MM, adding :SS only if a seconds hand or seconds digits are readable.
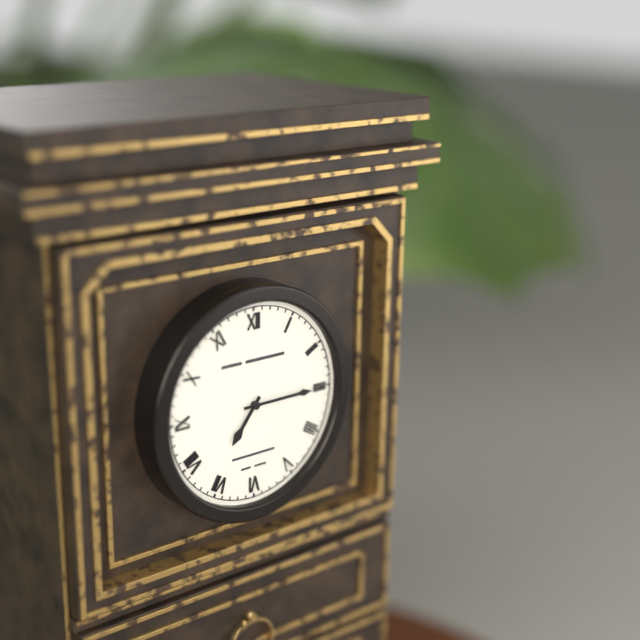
7:15
